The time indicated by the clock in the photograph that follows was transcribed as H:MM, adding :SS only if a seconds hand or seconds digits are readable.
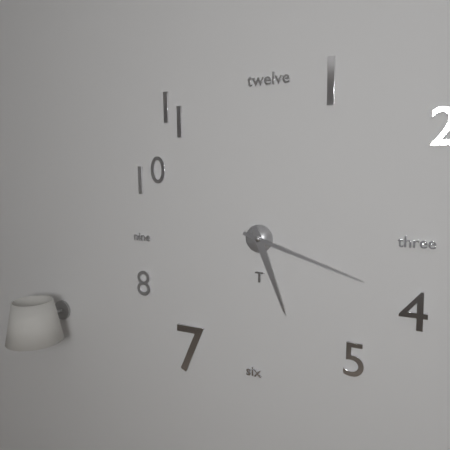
5:18
